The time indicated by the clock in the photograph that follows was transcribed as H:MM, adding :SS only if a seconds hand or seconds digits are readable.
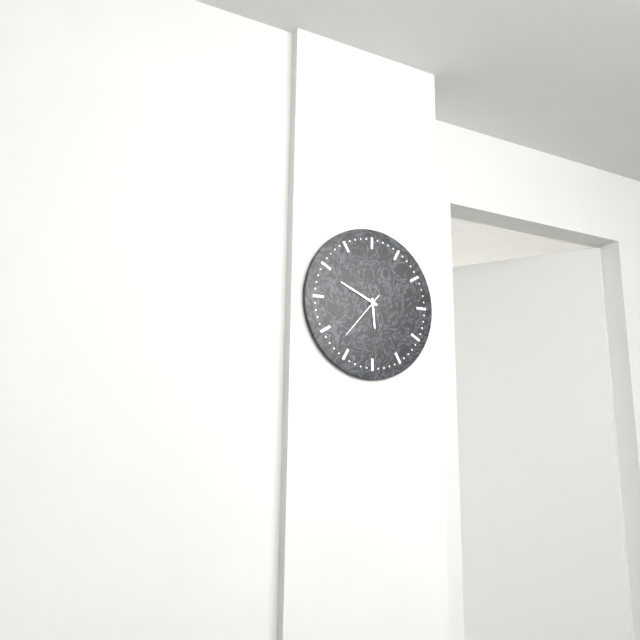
5:49
